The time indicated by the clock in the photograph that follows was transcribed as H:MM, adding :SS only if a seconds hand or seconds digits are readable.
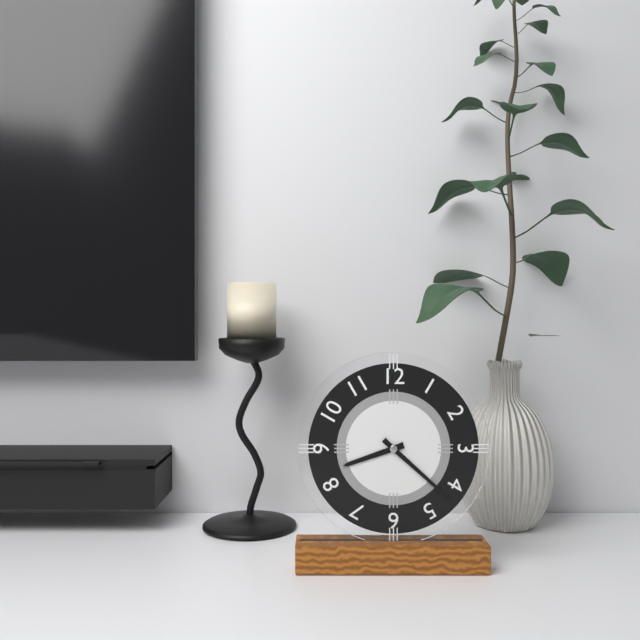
8:22
